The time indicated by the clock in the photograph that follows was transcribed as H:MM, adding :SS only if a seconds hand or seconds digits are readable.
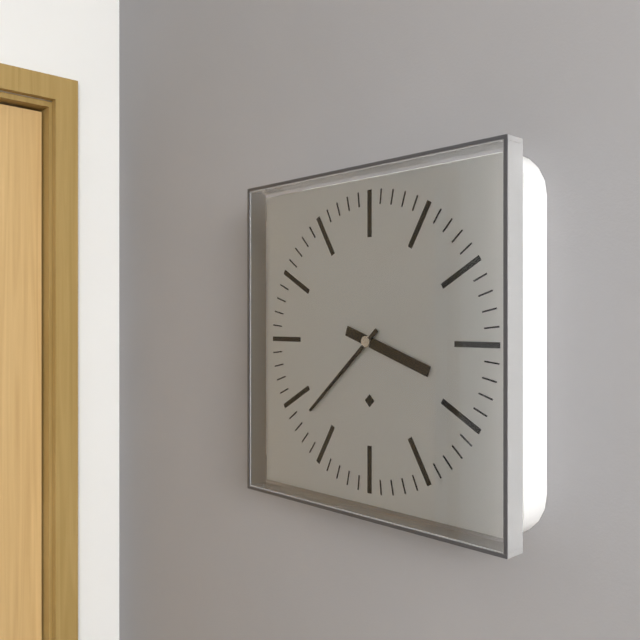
3:38
